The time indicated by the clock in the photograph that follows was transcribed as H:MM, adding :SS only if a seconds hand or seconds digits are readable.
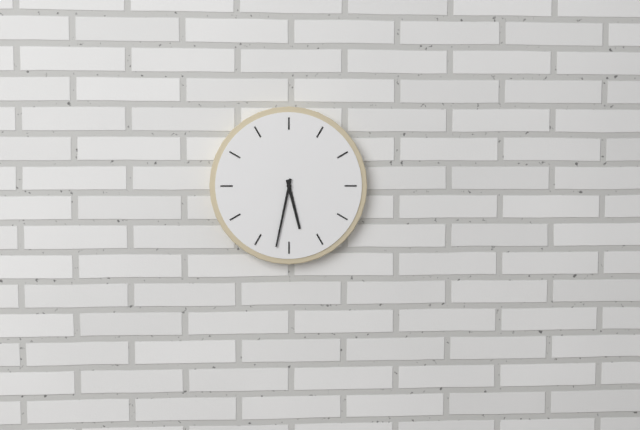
5:32
